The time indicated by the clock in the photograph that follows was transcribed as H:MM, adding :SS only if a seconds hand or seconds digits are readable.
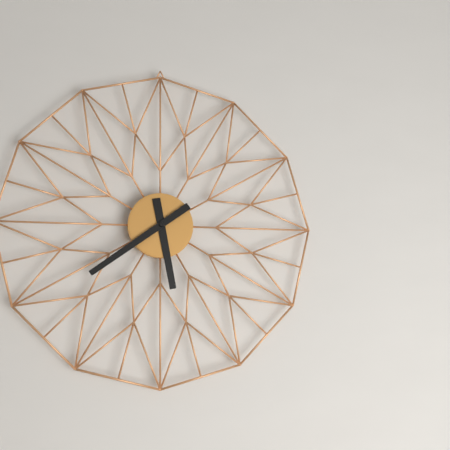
5:39
